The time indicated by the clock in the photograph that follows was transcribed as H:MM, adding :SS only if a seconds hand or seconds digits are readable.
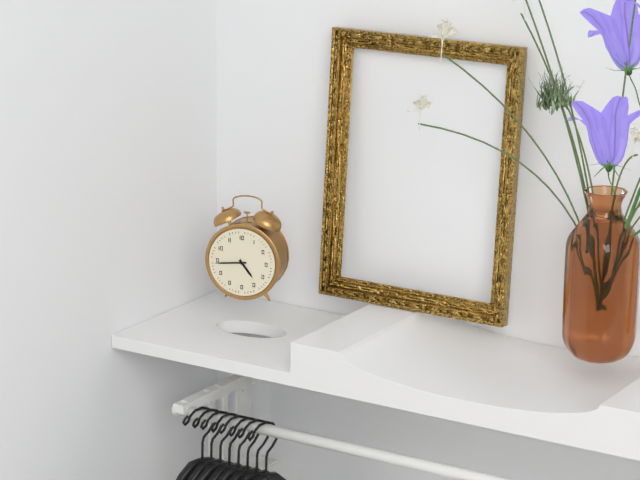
4:44
